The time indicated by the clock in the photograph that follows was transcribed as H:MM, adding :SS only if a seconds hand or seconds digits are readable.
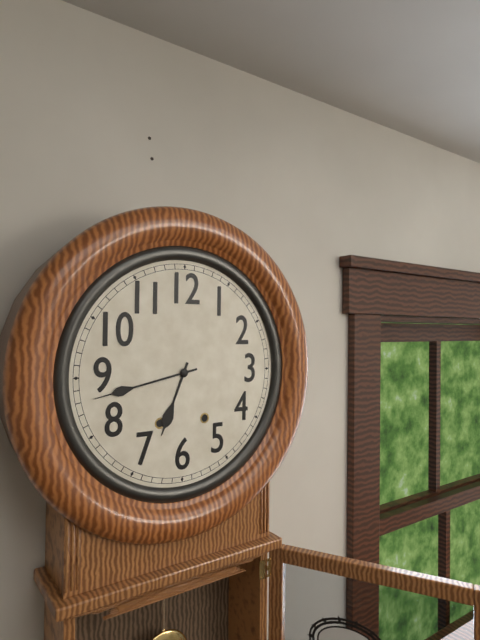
6:43
